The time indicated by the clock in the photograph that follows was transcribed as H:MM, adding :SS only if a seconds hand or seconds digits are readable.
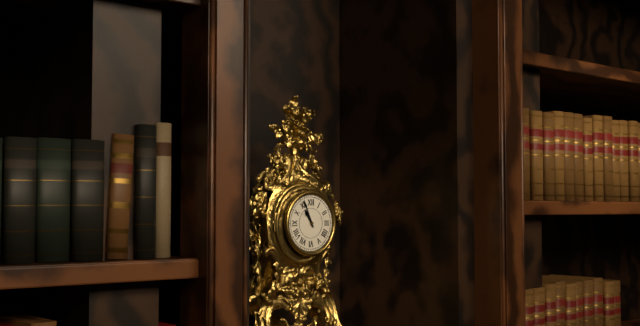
10:56
